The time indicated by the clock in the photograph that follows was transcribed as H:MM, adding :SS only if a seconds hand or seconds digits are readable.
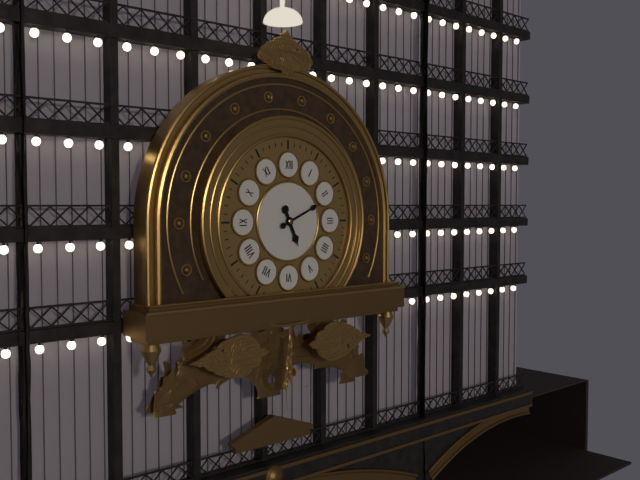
5:11
